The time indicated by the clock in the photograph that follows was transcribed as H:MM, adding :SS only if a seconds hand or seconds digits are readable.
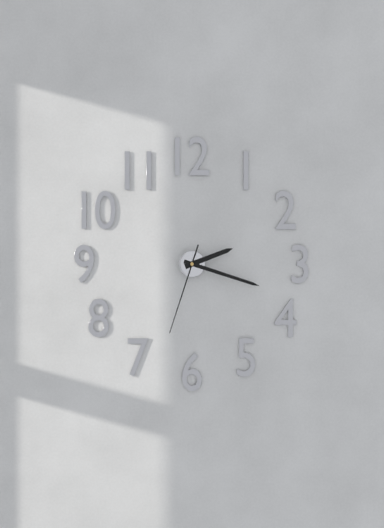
2:18:33
